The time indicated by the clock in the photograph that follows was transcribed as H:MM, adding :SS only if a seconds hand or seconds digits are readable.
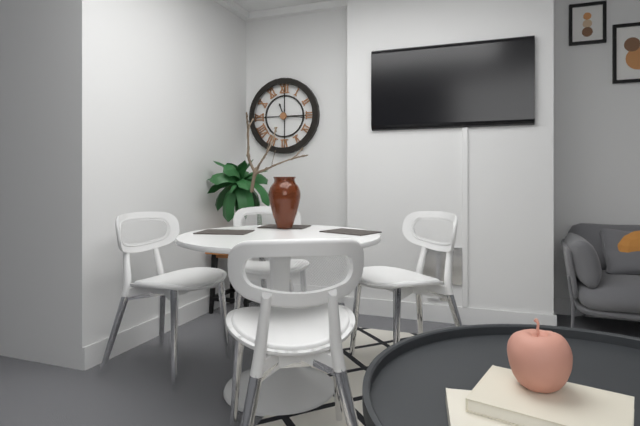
11:16
